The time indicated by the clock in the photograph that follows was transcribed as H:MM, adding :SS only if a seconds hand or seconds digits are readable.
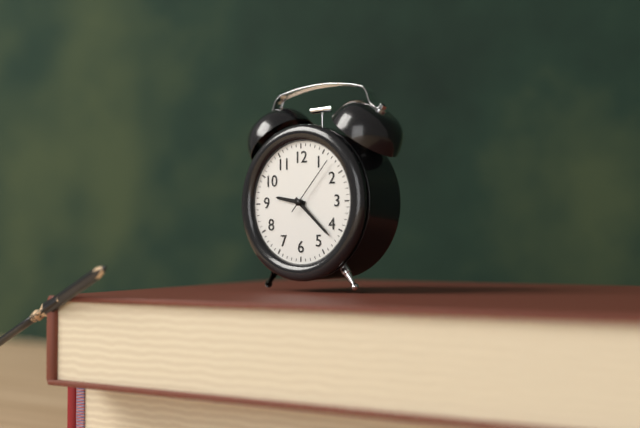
9:22:07
